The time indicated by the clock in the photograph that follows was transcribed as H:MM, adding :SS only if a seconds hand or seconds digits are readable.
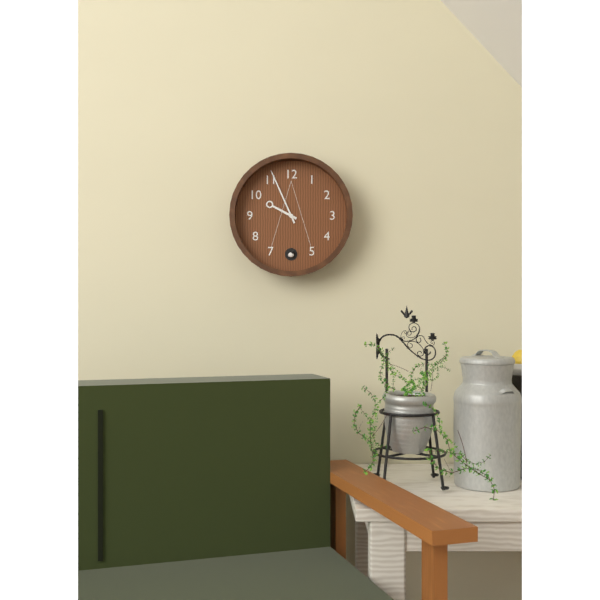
9:56
